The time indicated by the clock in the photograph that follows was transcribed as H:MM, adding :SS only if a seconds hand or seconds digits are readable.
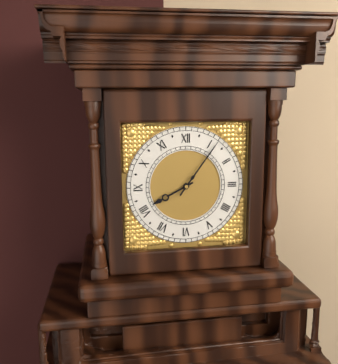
8:06
